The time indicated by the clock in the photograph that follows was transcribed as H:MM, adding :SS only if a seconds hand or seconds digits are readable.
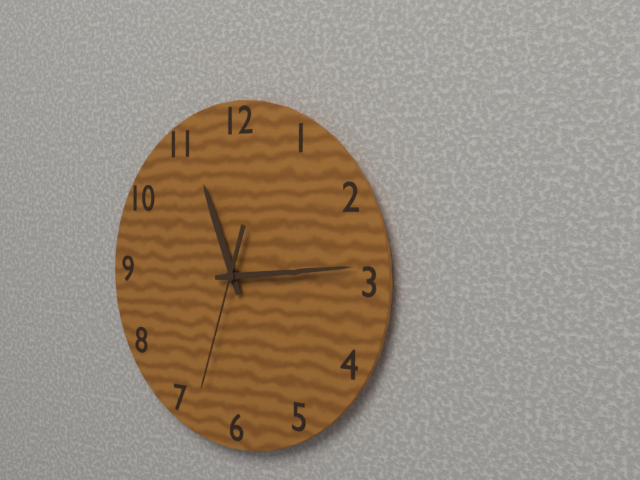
11:14:33
